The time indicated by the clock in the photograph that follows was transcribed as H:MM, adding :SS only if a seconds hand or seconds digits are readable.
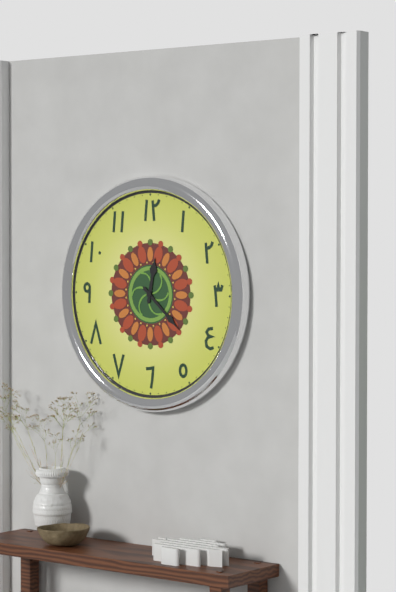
12:22
